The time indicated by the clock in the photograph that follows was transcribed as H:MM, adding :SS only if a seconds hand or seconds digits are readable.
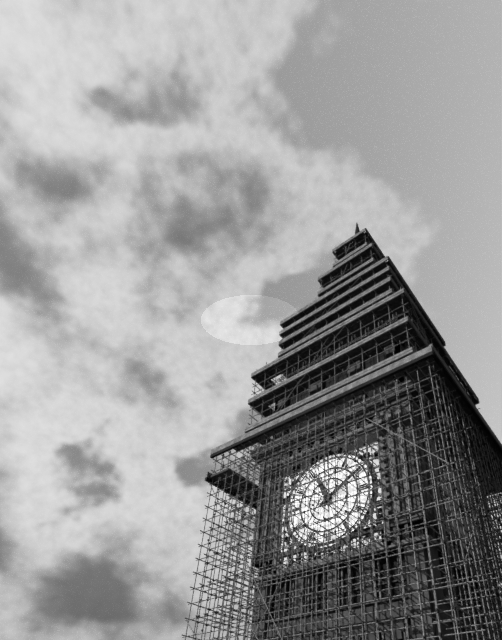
11:10
